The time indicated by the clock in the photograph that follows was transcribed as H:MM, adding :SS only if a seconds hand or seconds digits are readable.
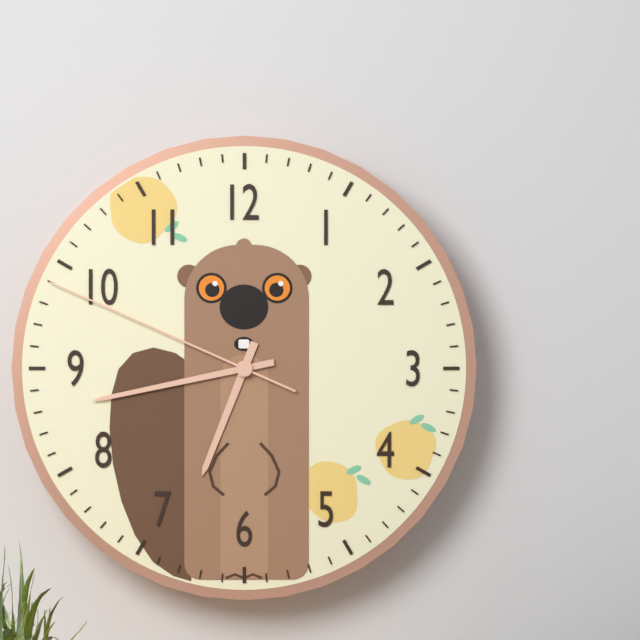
6:43:49
